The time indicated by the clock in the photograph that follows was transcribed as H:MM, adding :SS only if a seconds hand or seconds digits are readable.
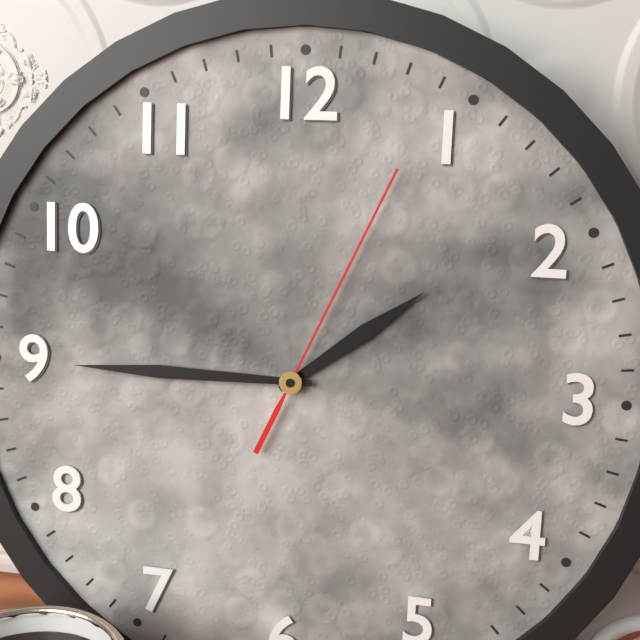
1:45:04
